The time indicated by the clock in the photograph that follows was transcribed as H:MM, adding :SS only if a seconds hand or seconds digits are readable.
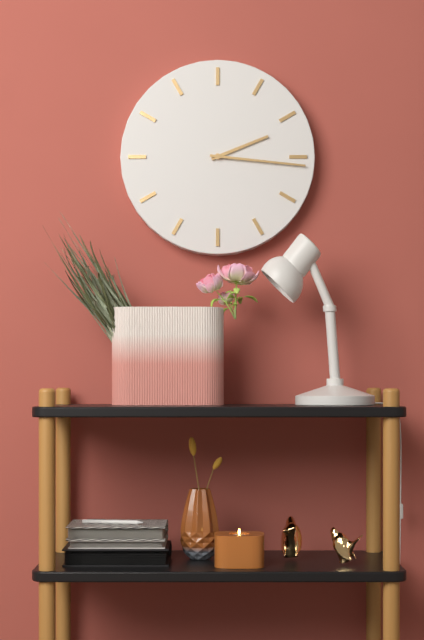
2:16
